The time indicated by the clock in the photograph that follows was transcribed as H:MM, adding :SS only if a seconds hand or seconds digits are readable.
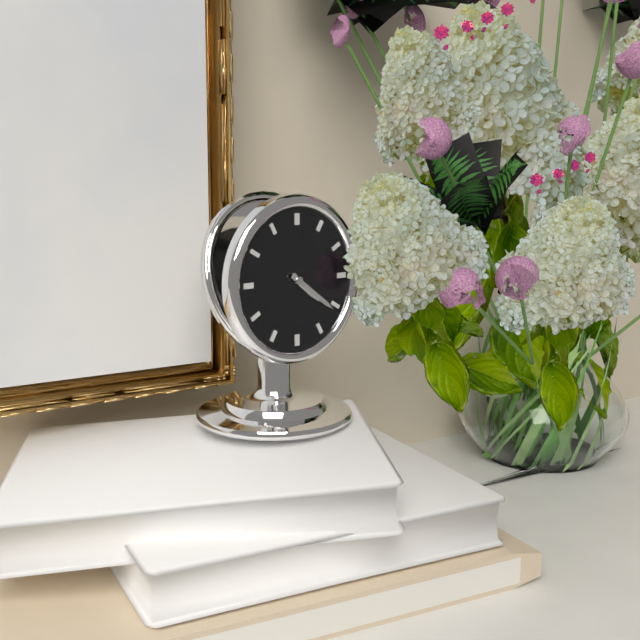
4:21
